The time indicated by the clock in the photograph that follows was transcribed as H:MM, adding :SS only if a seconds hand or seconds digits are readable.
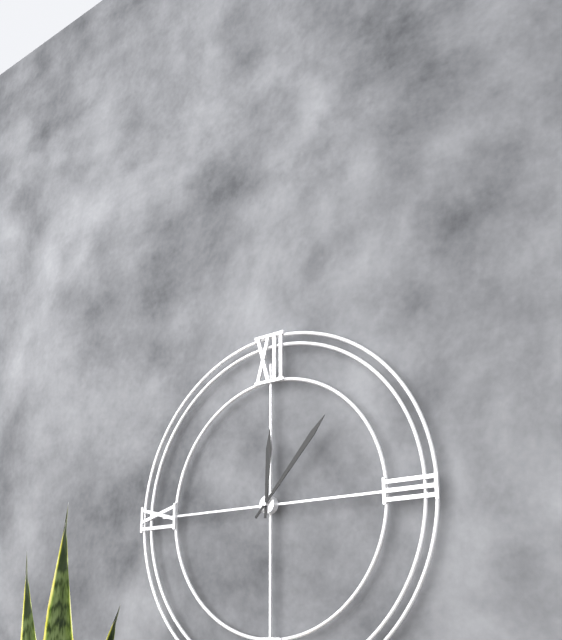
12:07
